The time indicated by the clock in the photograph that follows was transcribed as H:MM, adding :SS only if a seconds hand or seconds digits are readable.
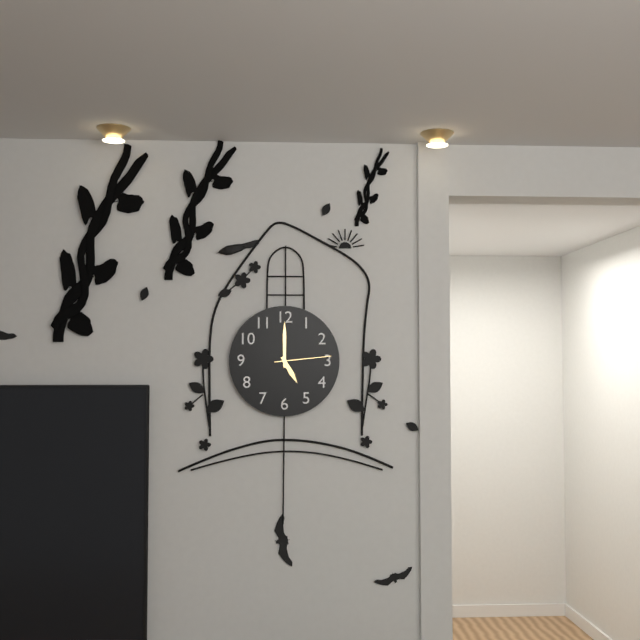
5:00:14
